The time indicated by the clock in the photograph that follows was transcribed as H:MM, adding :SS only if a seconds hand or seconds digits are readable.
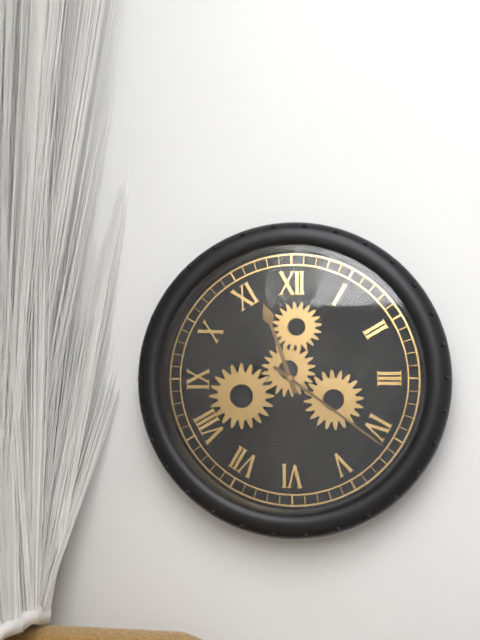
11:21
